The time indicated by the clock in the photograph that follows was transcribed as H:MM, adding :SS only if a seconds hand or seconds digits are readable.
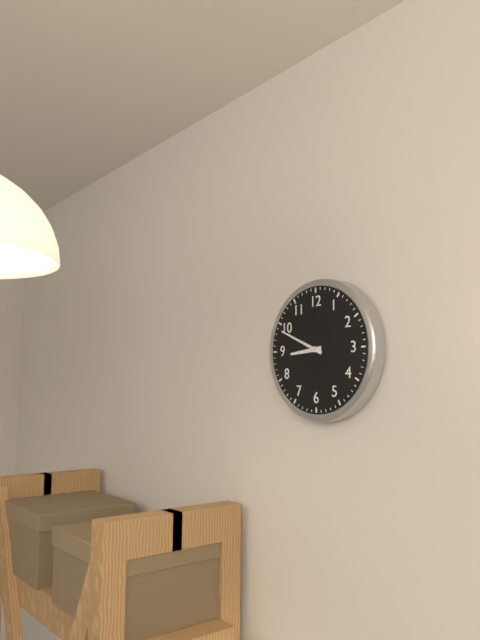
8:49
